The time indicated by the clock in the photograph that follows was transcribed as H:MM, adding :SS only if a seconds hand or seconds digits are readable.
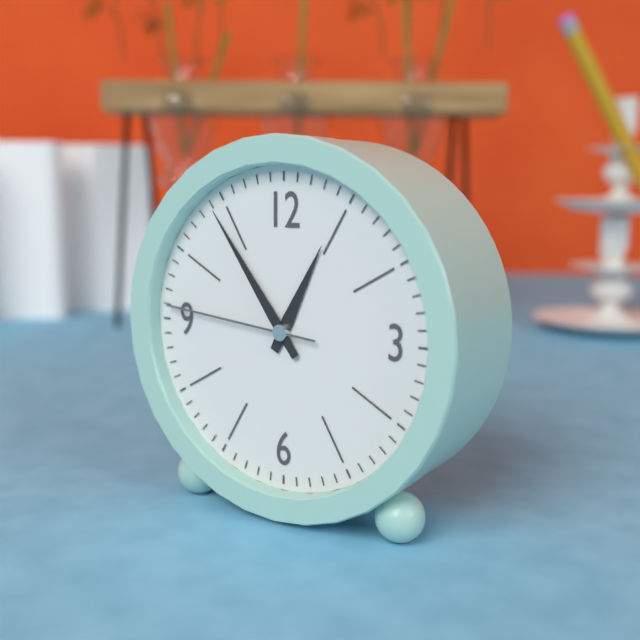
12:54:46
